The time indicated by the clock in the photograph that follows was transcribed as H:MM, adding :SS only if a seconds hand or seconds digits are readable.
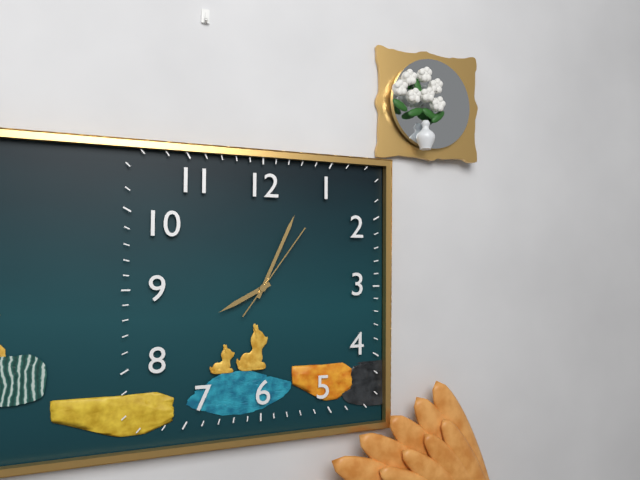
8:04:06
